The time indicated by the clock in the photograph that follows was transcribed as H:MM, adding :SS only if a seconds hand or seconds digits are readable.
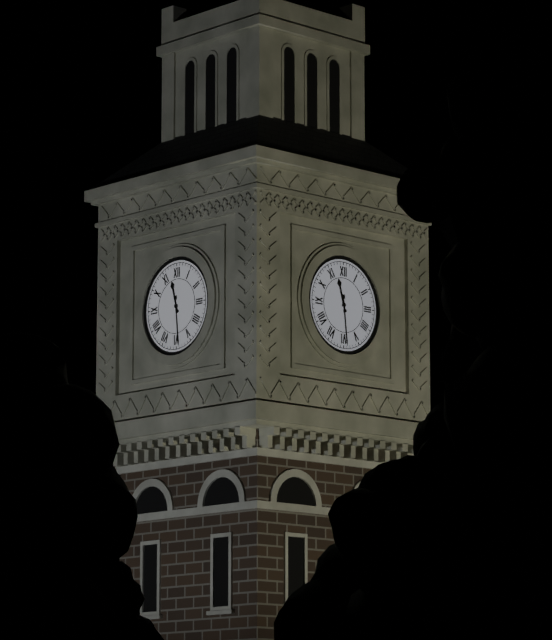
11:29
